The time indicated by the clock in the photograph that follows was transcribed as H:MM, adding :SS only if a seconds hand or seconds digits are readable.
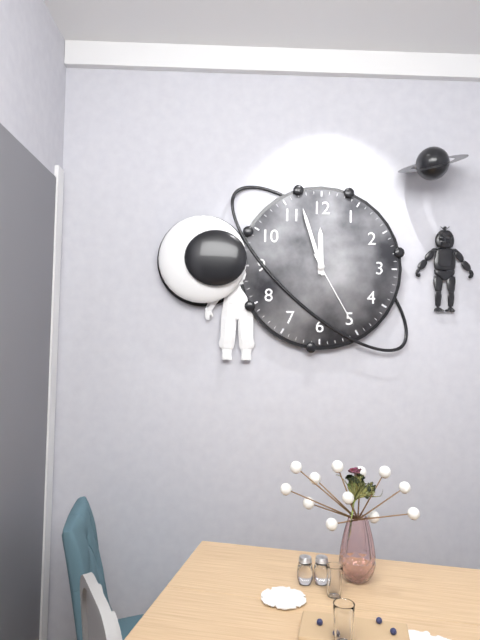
11:57:25
